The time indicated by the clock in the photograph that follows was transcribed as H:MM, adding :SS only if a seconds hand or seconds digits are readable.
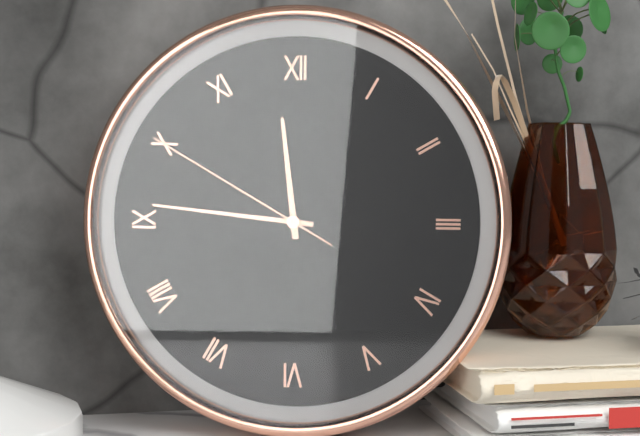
11:46:50
